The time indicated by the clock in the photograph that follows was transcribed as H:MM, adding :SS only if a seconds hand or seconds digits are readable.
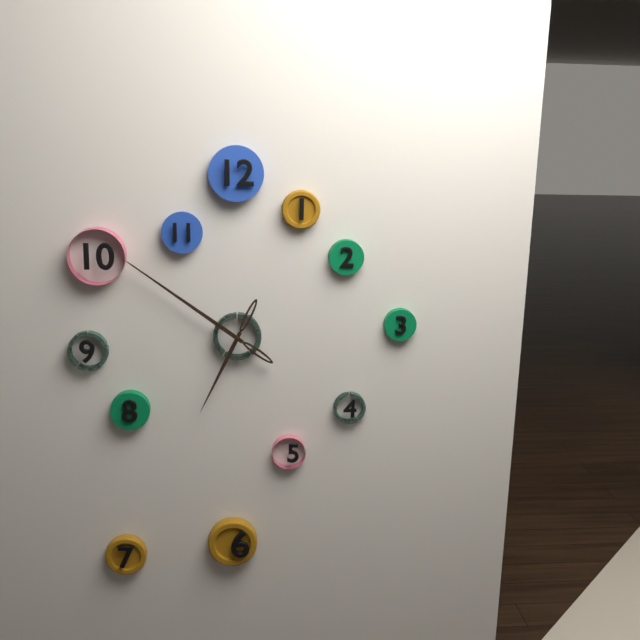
6:51
